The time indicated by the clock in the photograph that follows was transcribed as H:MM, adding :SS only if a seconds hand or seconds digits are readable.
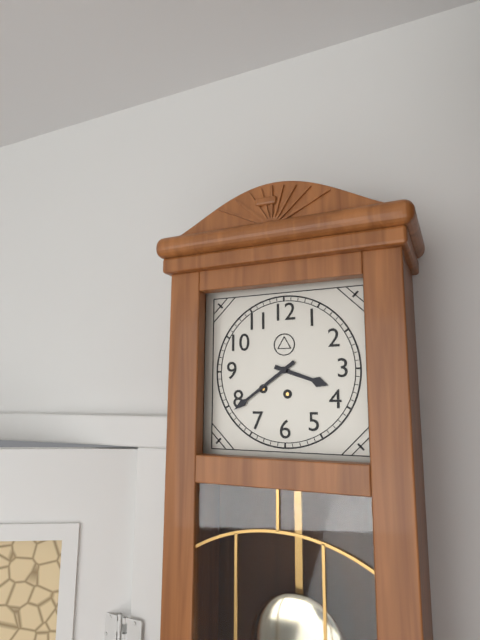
3:39
